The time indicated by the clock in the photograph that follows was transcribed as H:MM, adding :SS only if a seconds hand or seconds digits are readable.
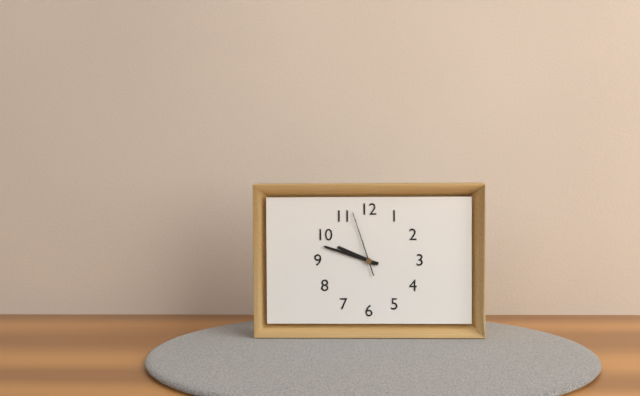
9:48:57
